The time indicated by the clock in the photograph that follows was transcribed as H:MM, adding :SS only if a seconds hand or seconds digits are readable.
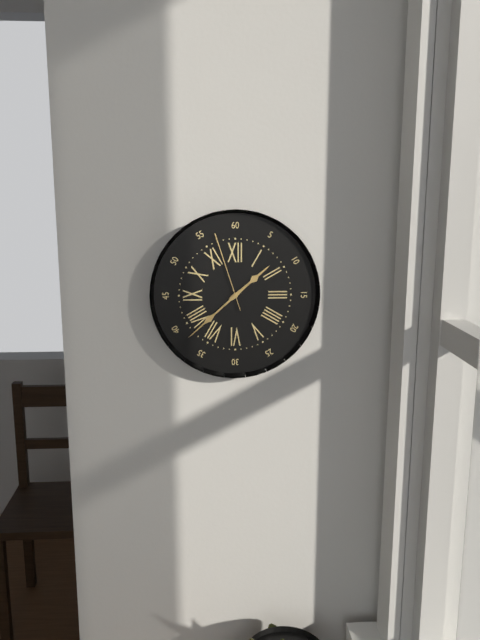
1:38:57
